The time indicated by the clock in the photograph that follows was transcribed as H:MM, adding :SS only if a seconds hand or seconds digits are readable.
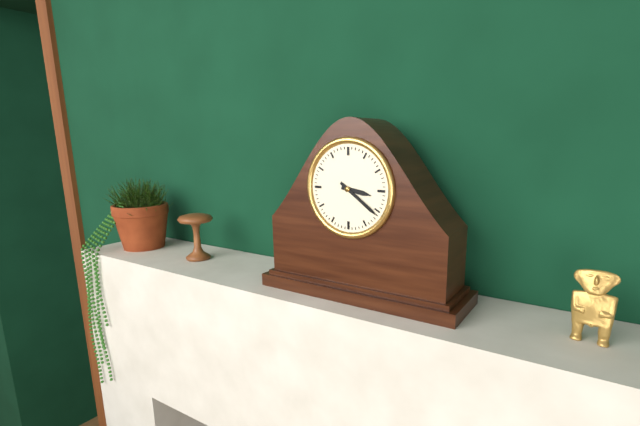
3:21
